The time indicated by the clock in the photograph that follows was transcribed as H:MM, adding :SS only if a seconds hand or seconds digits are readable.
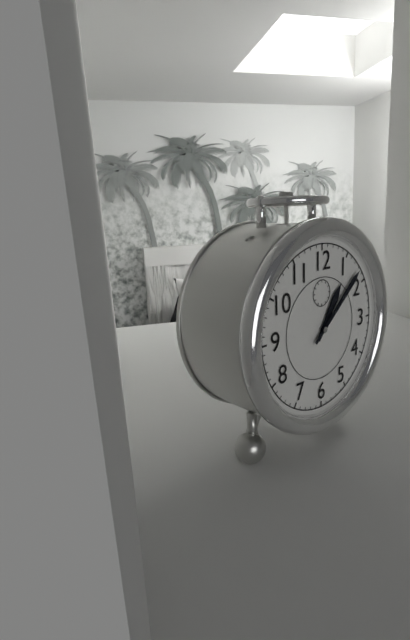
1:08
